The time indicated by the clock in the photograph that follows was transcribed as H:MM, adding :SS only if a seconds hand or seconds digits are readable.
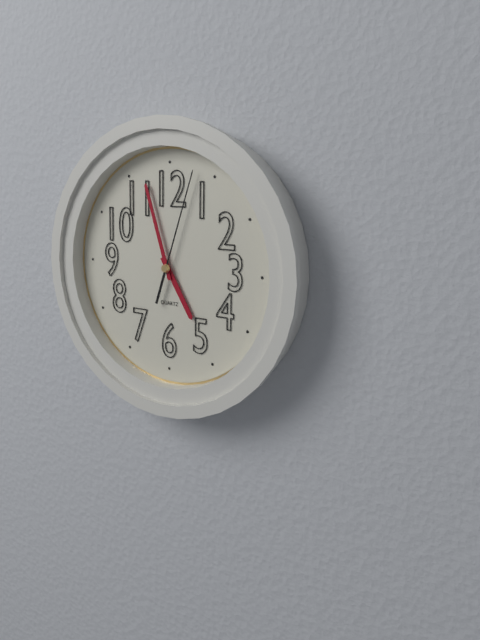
4:57:03
